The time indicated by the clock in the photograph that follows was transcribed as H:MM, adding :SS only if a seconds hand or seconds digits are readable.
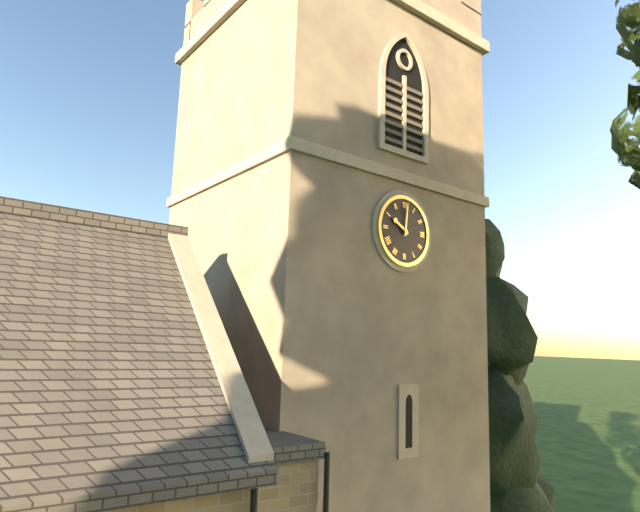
10:01
